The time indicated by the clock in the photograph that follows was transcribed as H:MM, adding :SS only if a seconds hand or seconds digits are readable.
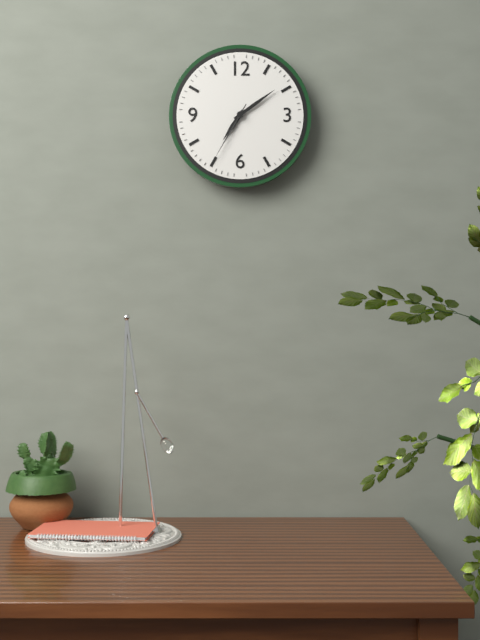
7:09:35
